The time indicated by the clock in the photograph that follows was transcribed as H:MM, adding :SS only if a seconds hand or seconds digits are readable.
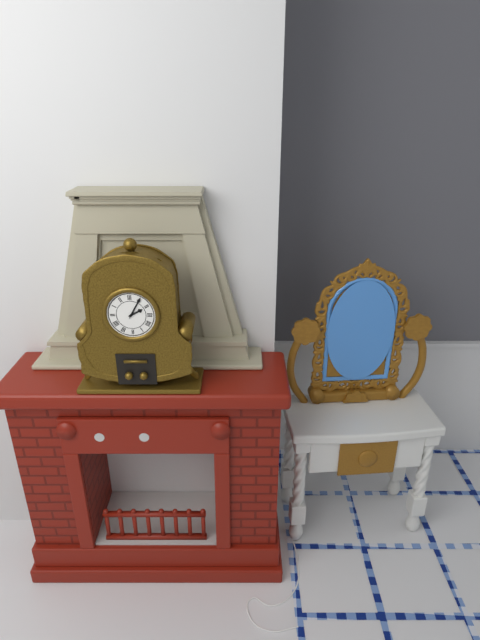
2:05
